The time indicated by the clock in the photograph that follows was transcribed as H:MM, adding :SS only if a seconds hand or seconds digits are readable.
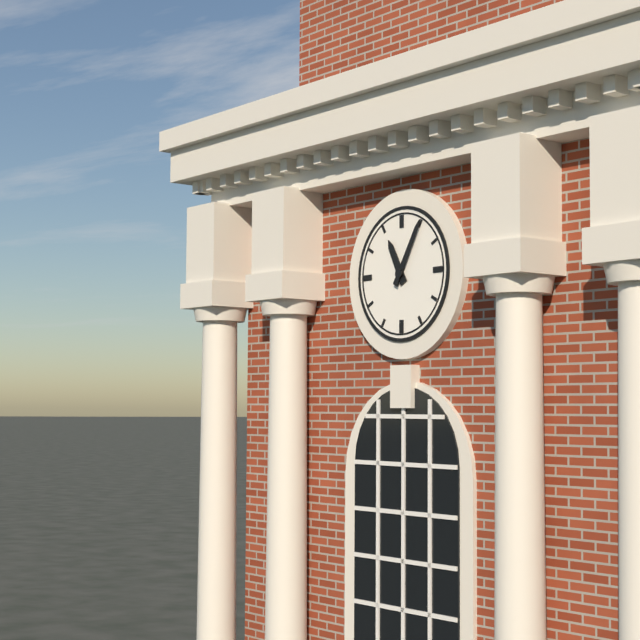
11:05
